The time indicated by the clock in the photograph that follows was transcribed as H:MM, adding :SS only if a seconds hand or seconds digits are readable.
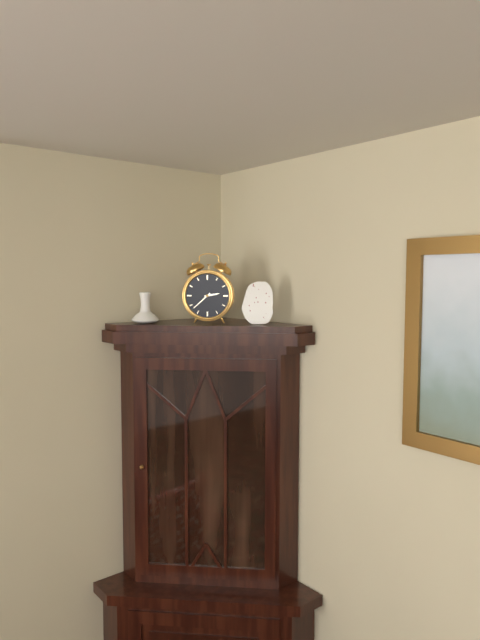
2:38
